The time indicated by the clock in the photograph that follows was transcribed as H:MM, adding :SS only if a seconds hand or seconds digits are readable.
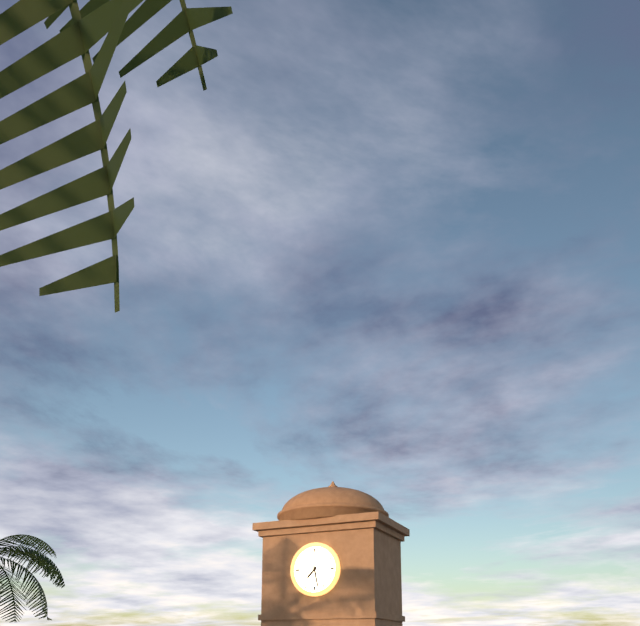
7:28
